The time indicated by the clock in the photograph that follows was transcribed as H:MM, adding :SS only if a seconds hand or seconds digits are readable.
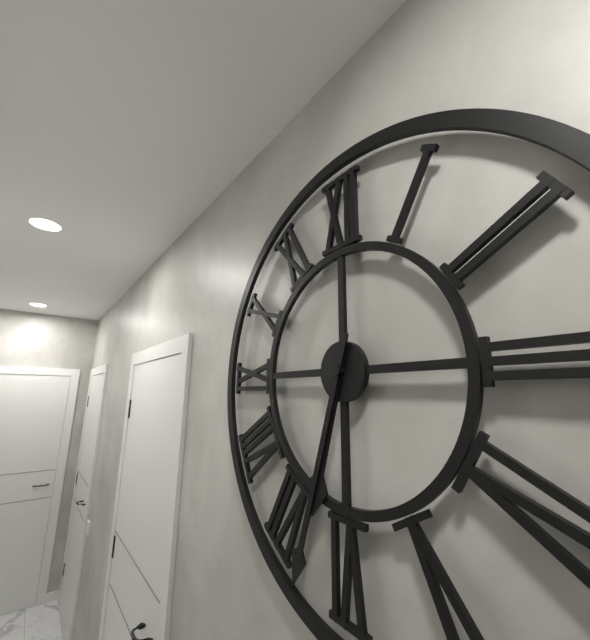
6:33
